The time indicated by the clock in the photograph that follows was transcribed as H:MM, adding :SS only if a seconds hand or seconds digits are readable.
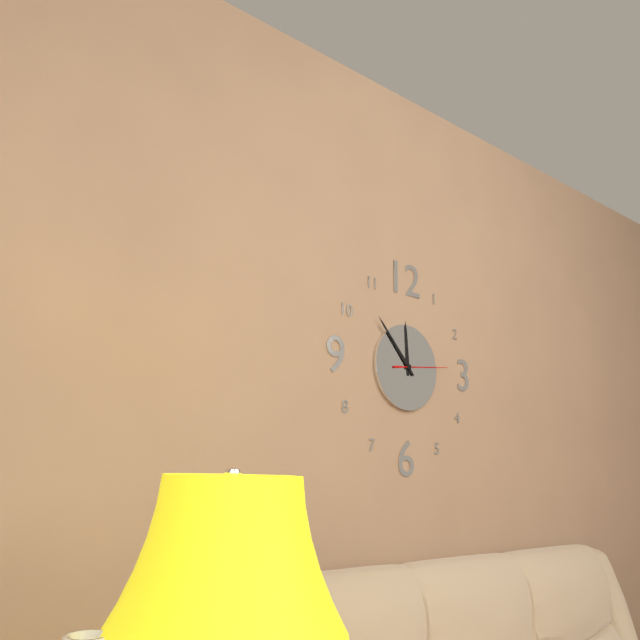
11:53:14
